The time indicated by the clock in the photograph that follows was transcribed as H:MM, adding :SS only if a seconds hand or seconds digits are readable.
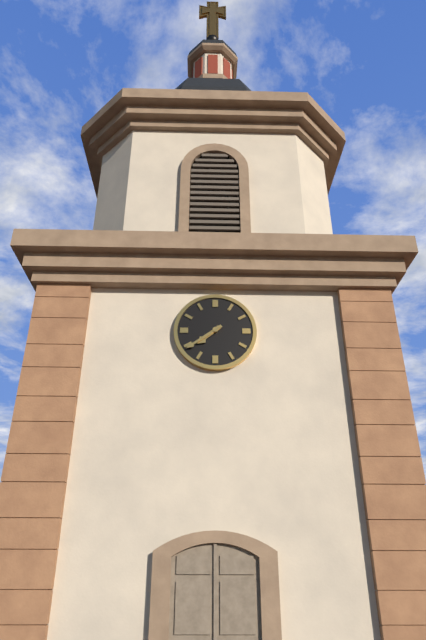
7:39
